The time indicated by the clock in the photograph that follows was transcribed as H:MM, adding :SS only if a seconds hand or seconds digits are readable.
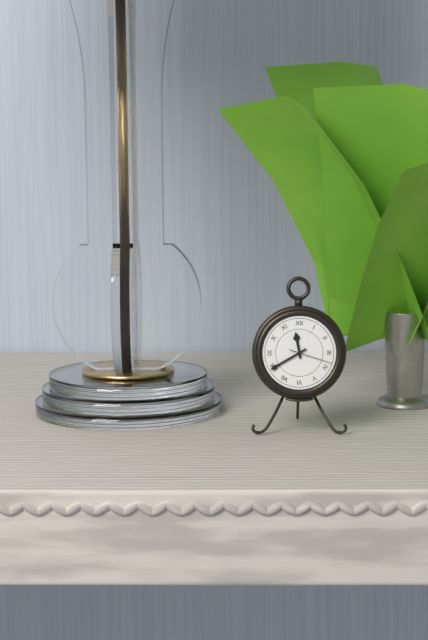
11:40
